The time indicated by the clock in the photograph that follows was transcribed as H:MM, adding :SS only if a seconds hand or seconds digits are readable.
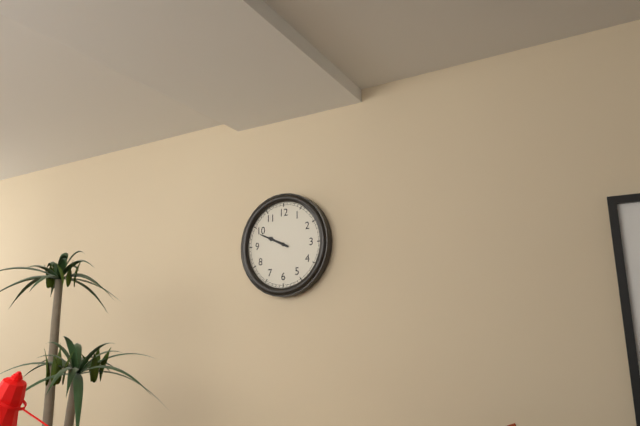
9:49
